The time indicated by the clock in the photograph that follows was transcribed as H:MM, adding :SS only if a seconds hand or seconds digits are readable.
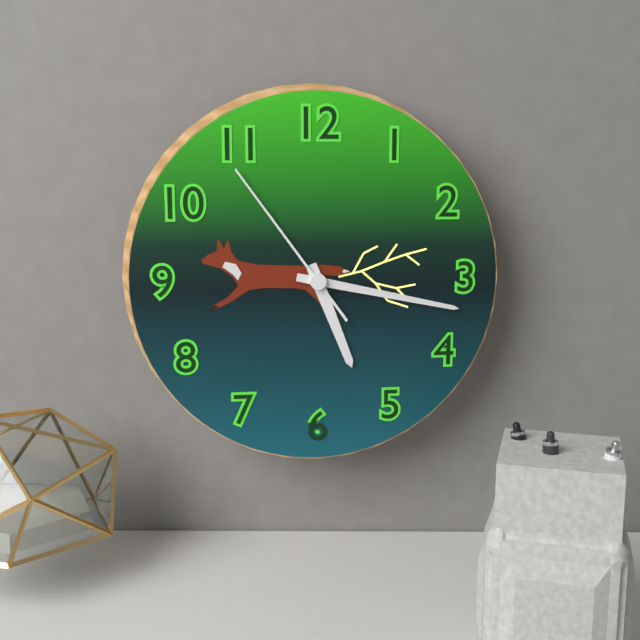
5:17:54
